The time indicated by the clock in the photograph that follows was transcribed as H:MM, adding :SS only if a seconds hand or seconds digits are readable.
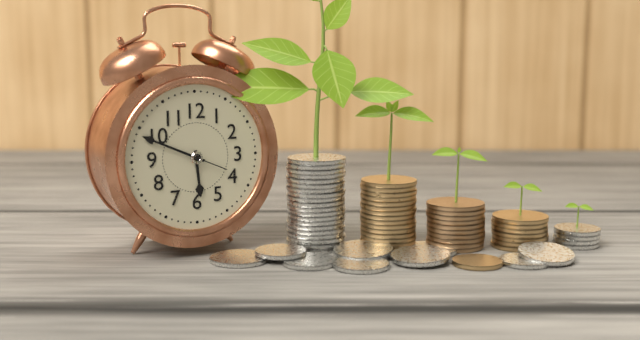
5:49:49
